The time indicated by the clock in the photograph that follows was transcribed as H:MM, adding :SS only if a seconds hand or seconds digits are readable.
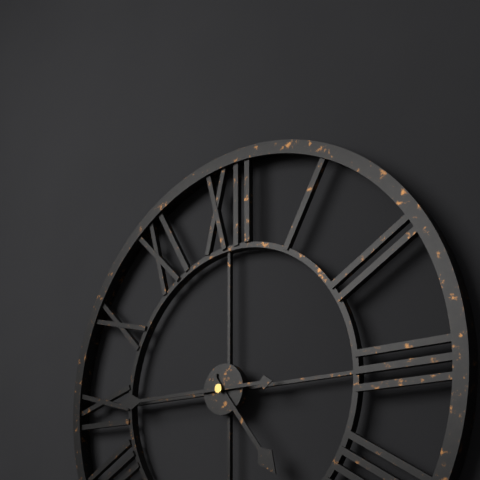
4:45
